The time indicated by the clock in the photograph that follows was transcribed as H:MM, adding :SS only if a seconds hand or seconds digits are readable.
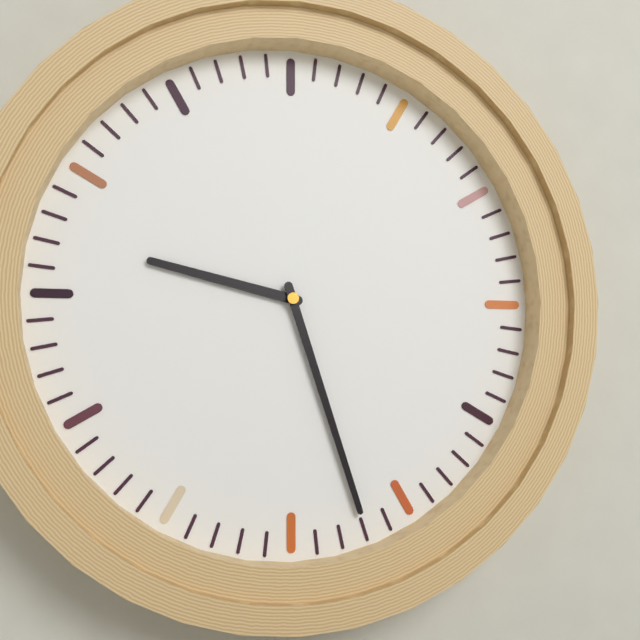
9:27
